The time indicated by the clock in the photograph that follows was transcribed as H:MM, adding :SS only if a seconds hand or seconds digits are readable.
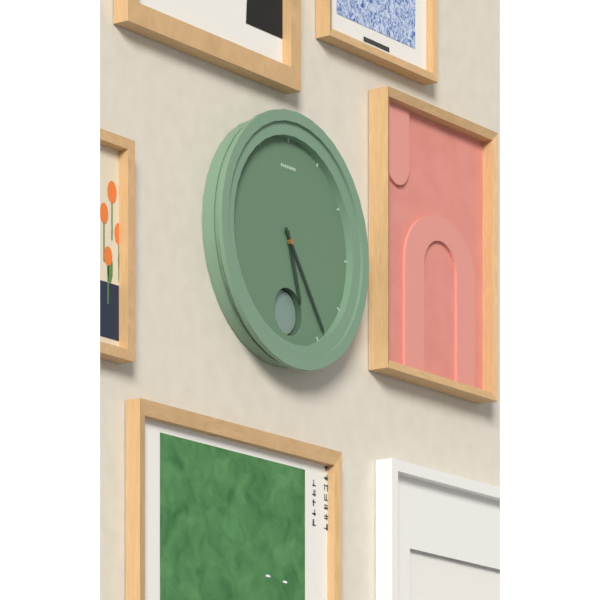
5:24
